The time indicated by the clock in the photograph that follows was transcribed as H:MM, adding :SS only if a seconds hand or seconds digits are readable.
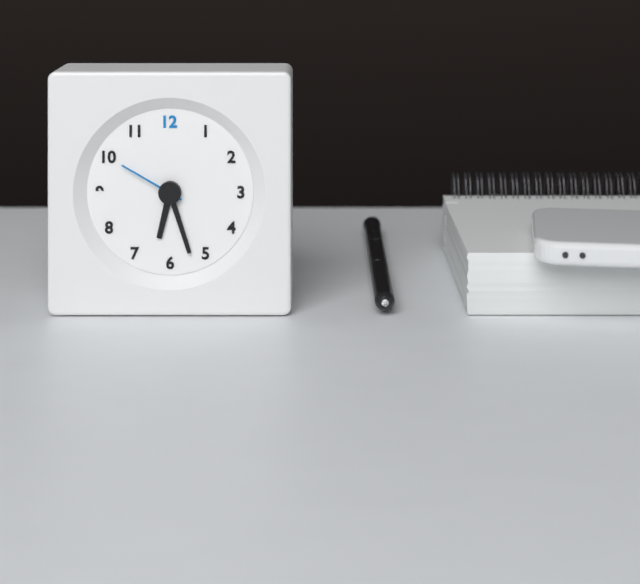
6:27:50
